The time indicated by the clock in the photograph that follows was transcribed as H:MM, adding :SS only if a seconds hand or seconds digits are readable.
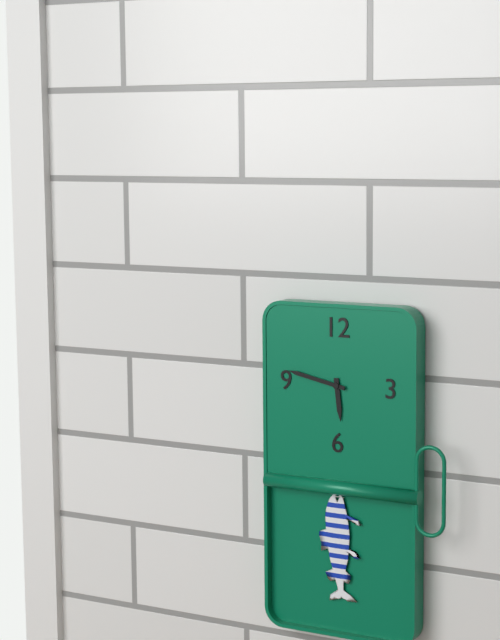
5:47
